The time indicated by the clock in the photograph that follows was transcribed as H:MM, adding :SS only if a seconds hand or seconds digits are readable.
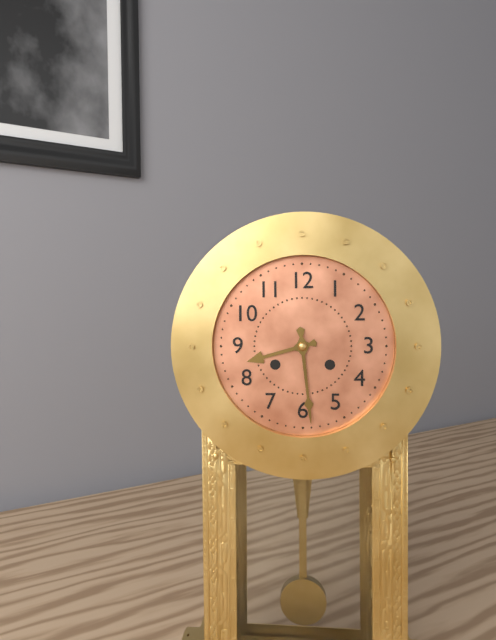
8:29
